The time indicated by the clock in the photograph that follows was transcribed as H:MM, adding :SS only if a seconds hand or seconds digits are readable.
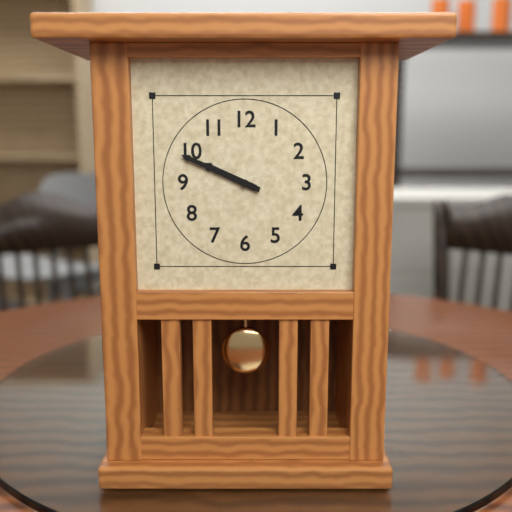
9:49
